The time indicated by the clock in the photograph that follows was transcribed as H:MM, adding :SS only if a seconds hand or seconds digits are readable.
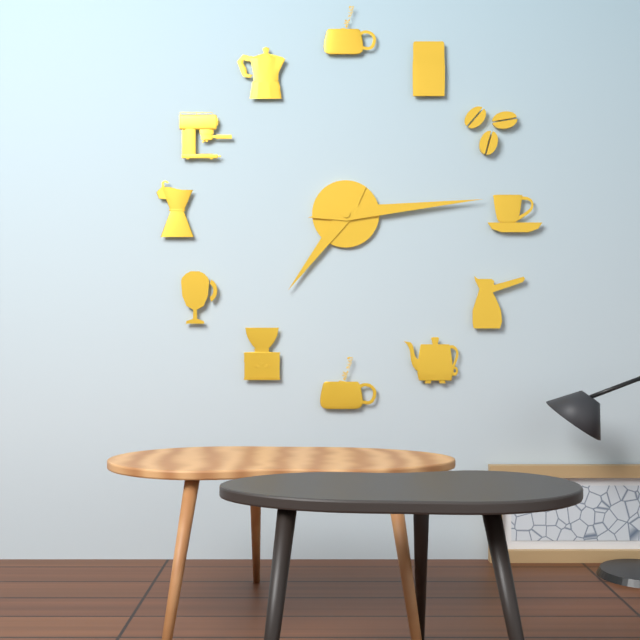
7:14
